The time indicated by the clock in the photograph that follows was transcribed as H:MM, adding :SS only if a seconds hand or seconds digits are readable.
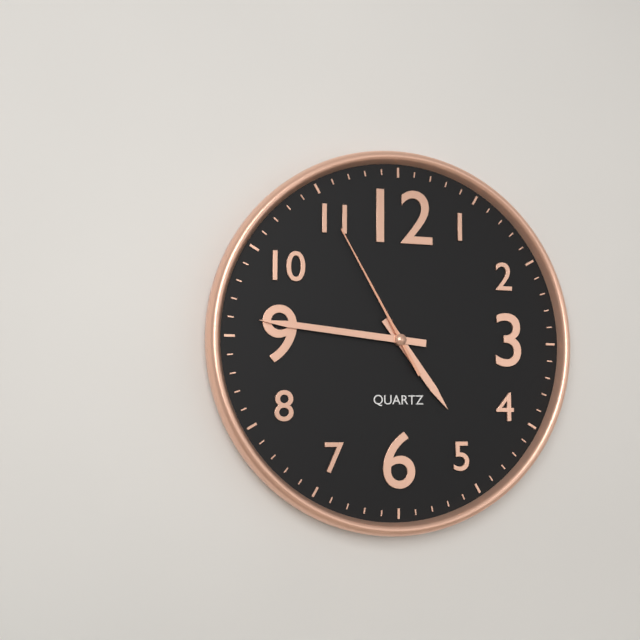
4:46:55
